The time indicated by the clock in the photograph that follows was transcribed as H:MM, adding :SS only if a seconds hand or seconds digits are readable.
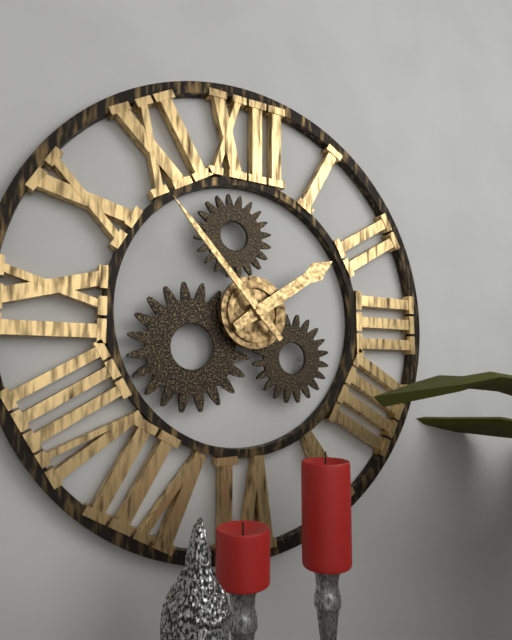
1:53
